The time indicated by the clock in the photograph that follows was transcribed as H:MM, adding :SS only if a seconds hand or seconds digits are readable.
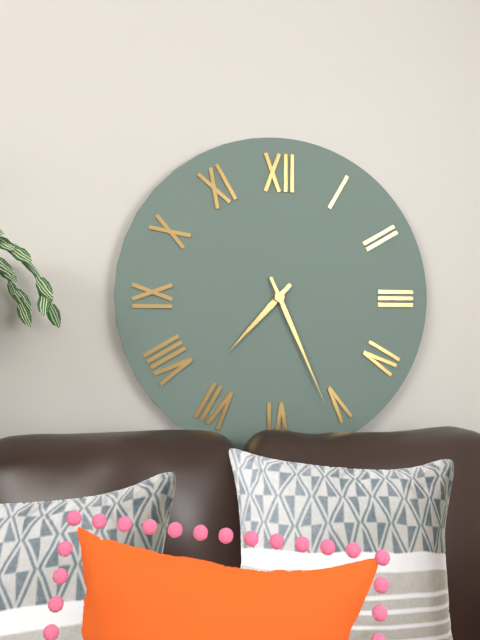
7:26
